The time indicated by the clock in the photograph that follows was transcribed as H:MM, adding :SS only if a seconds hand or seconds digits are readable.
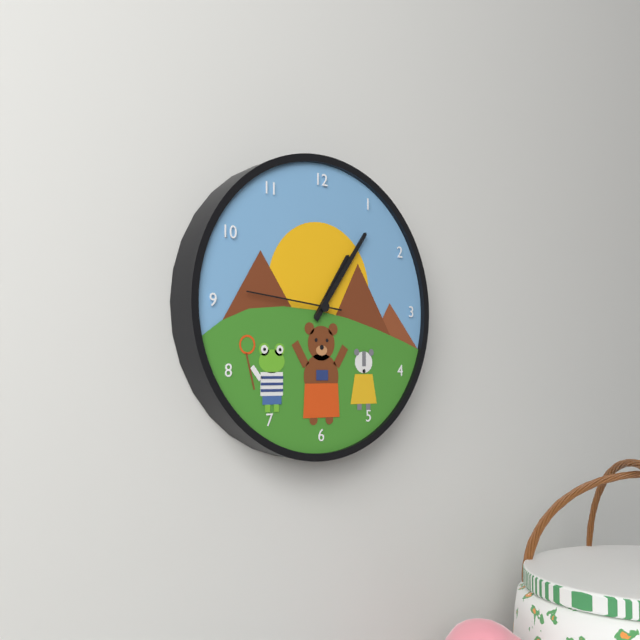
1:06:46
